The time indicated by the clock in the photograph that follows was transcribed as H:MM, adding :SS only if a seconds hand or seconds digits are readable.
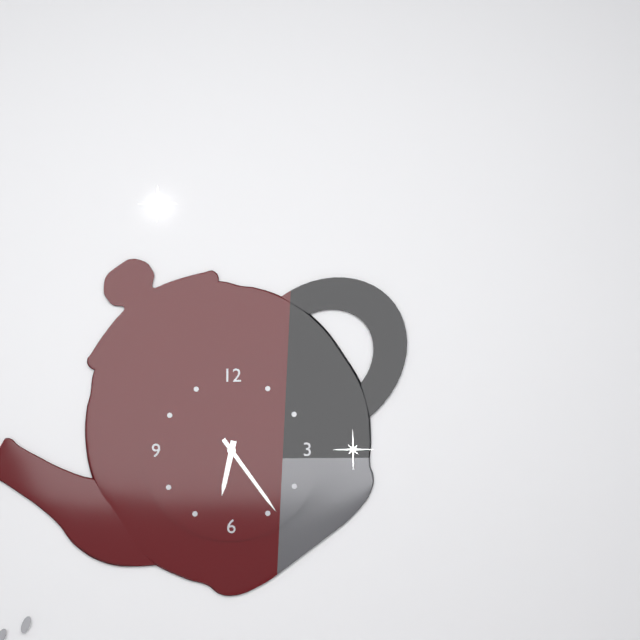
6:24
